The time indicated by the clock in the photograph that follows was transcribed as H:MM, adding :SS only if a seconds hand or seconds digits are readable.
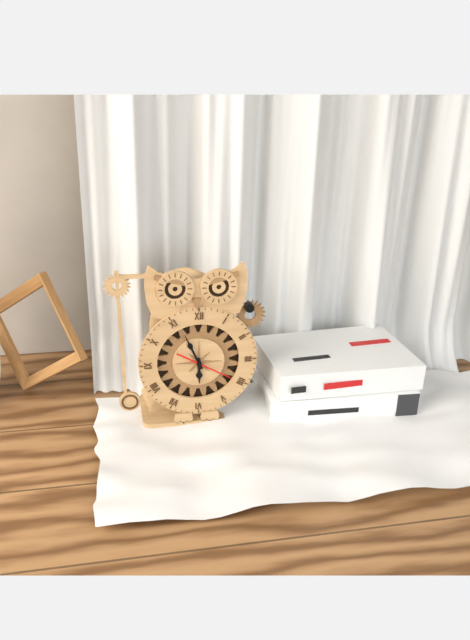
5:56:20
